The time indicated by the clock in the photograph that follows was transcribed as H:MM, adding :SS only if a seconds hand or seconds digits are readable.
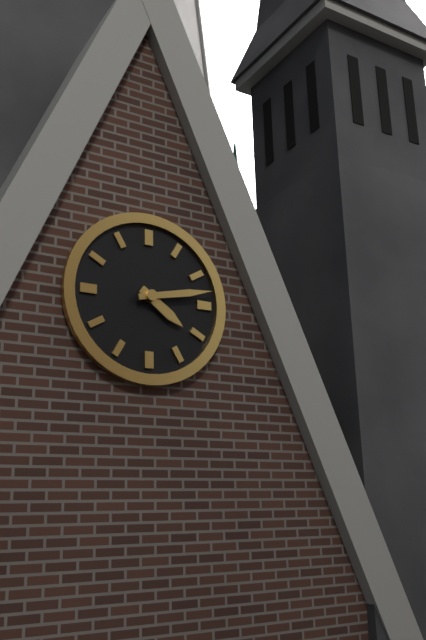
4:13
